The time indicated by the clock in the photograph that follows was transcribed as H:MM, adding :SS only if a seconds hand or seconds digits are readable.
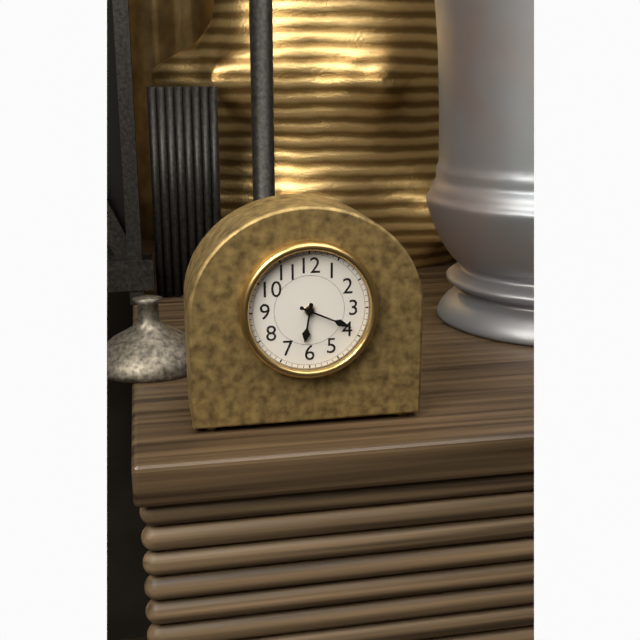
6:19
